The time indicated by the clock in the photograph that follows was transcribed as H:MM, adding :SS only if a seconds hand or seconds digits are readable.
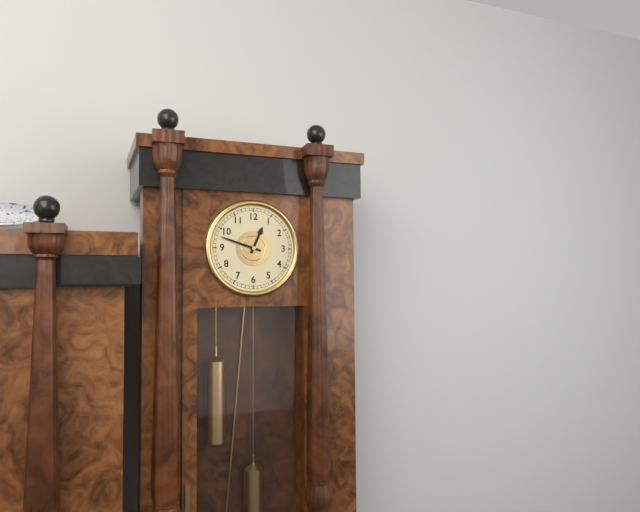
12:48
